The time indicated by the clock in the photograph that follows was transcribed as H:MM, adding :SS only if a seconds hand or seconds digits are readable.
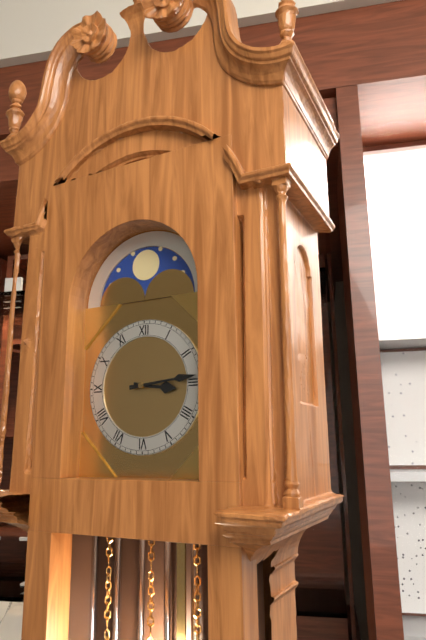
3:14
